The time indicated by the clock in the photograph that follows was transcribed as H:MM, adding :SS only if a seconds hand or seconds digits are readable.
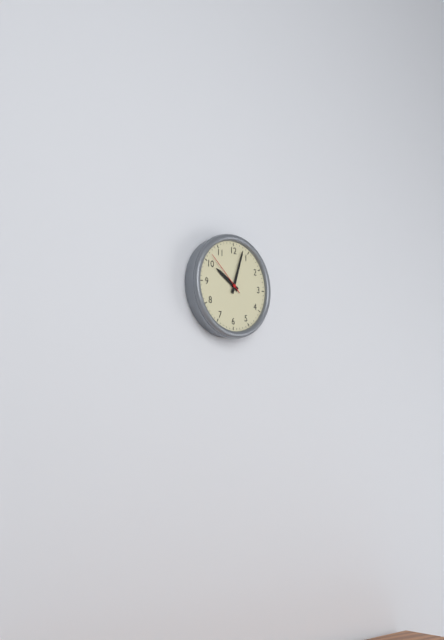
10:03
